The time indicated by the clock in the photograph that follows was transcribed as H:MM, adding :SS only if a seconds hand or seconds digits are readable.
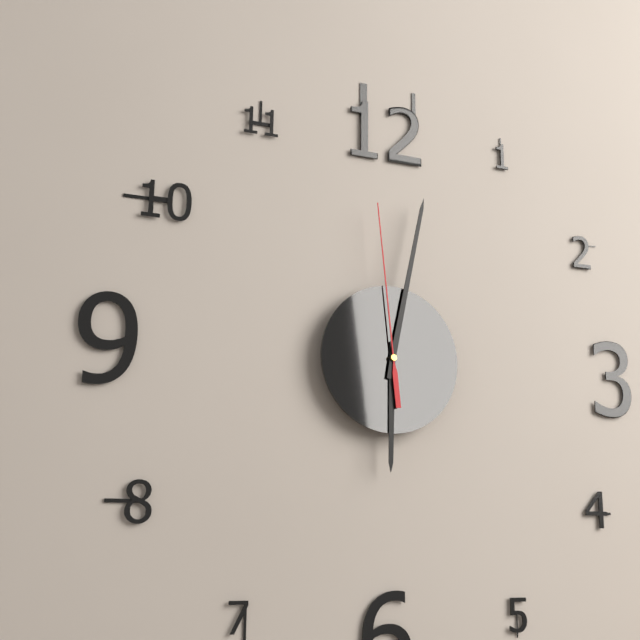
6:02:59
